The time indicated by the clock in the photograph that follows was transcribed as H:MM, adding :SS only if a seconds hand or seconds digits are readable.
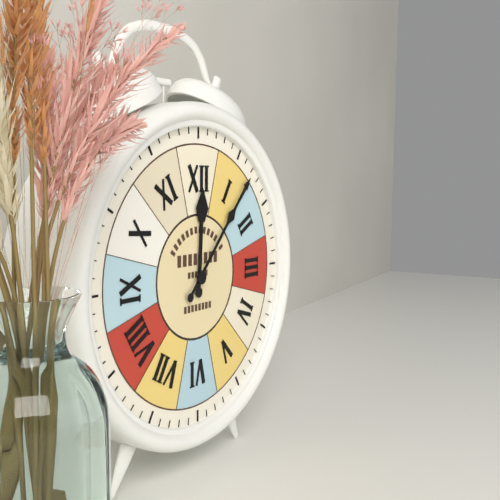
12:07
